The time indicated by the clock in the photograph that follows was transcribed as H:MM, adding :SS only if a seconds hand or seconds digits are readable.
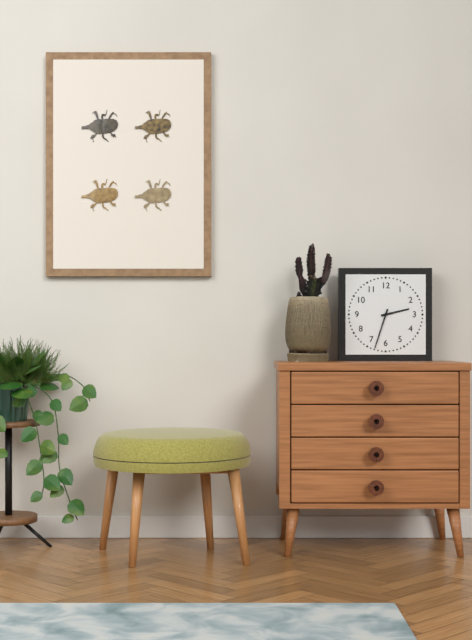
2:33
